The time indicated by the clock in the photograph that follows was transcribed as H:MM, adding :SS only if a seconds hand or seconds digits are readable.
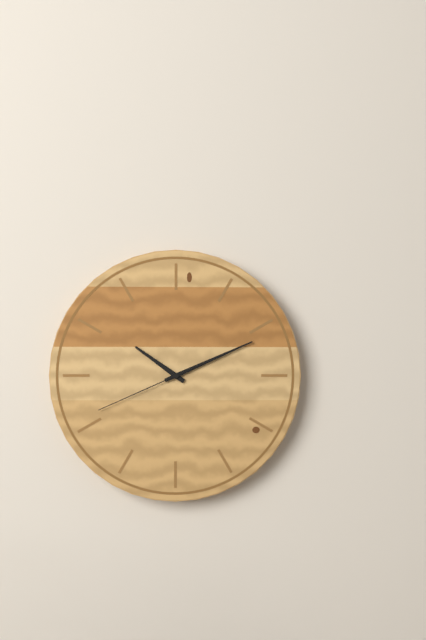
10:11:41
